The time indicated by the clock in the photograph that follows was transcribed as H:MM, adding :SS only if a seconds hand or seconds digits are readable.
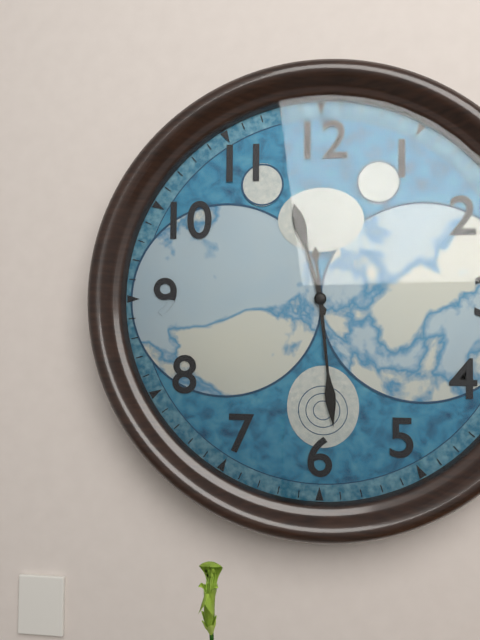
11:29
